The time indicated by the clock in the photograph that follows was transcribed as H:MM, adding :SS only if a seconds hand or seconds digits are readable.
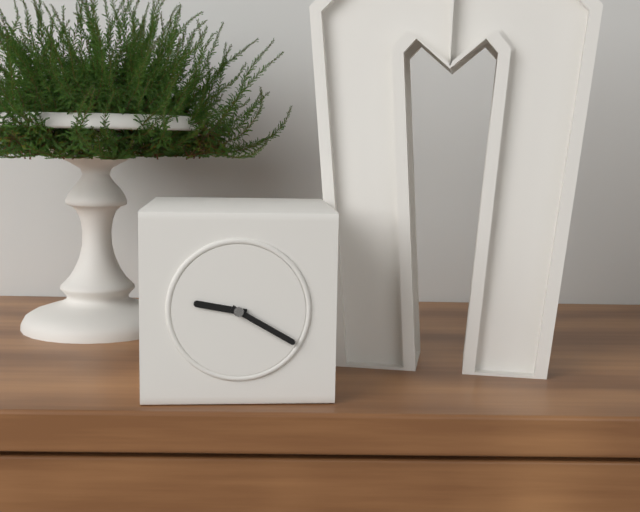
9:20
